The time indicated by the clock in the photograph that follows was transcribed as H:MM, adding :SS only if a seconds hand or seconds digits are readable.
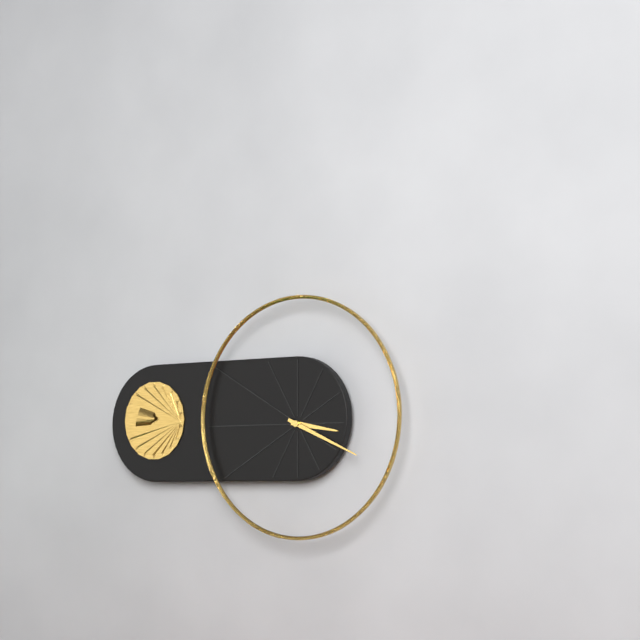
3:19
